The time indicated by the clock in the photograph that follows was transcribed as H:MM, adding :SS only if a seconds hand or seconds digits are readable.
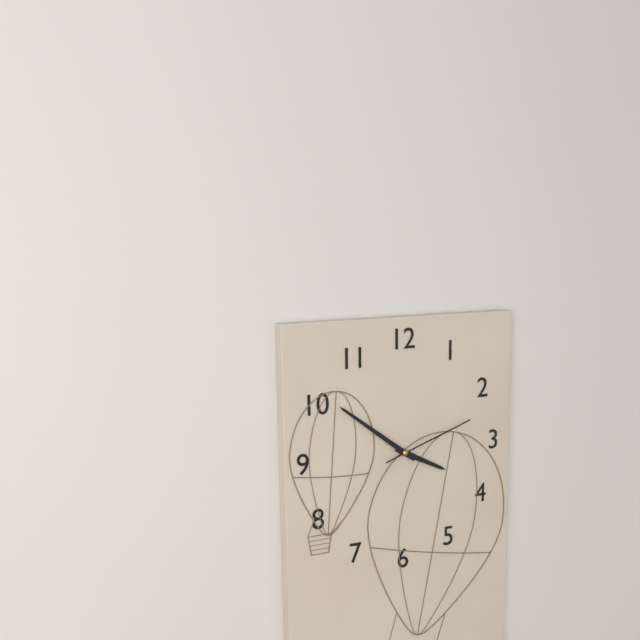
3:51:12
